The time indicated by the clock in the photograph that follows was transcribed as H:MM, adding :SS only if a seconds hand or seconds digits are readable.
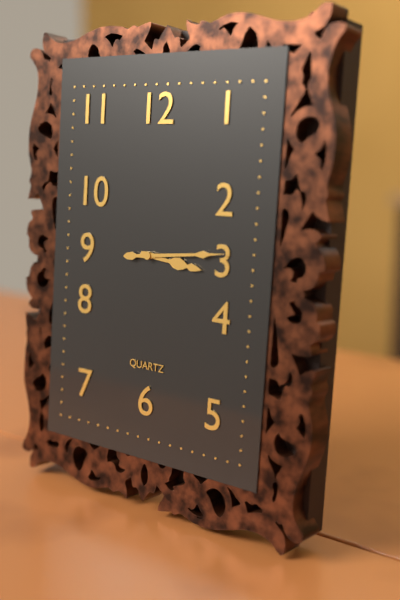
3:14
